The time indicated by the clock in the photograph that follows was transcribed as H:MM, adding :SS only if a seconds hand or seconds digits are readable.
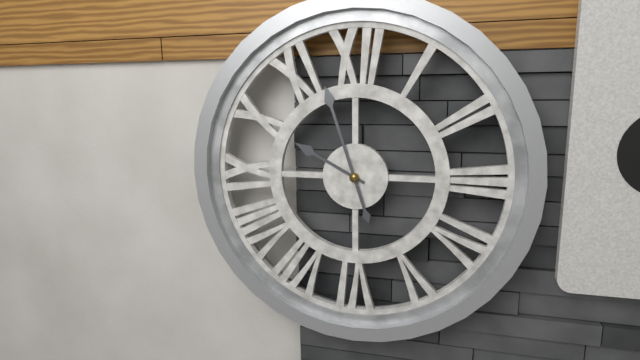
9:57
